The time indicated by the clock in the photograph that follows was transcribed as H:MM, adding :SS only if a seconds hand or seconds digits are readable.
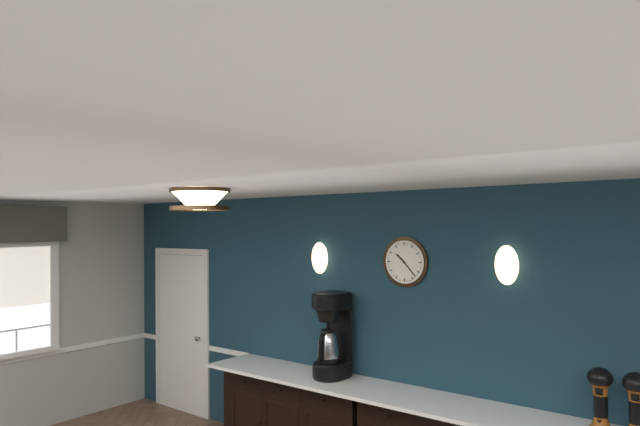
10:23
